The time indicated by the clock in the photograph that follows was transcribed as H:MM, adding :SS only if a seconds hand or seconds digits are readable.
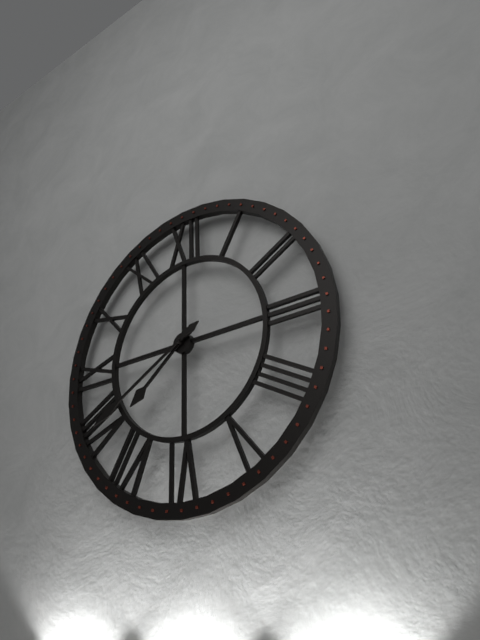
7:40
